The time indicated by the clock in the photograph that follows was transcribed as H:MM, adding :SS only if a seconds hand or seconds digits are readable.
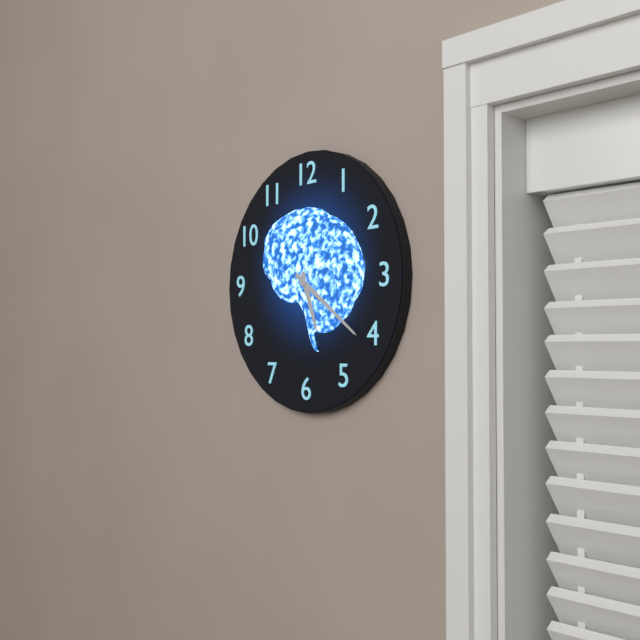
5:21
